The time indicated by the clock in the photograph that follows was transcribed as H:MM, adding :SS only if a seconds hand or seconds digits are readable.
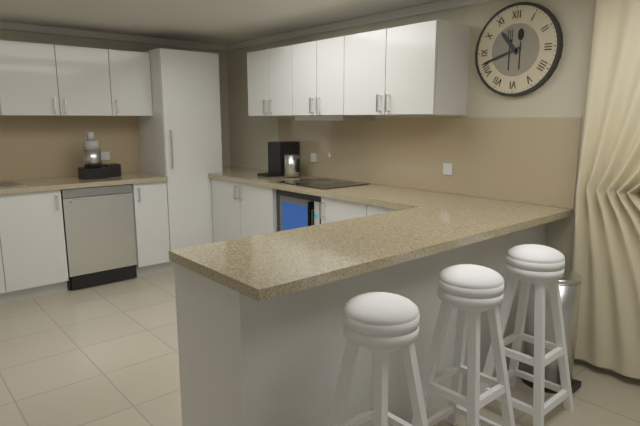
10:42
